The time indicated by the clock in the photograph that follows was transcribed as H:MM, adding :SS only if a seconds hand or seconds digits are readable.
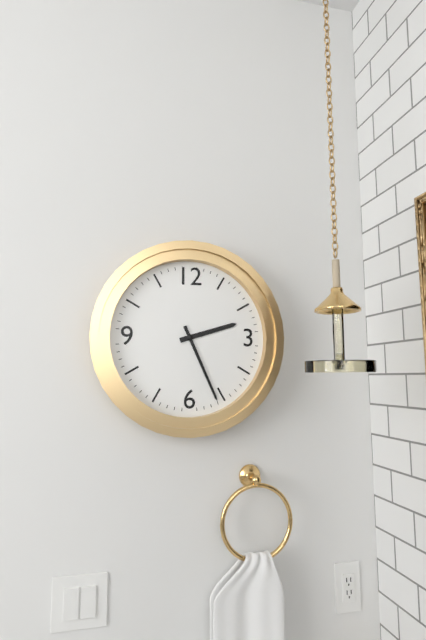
2:26
